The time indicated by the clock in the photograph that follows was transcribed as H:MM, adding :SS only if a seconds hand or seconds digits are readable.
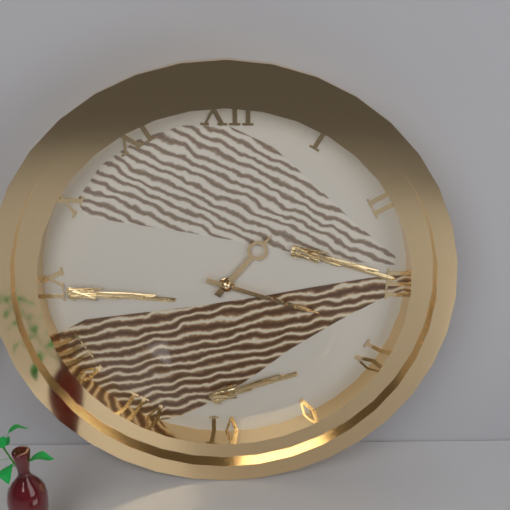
1:18
